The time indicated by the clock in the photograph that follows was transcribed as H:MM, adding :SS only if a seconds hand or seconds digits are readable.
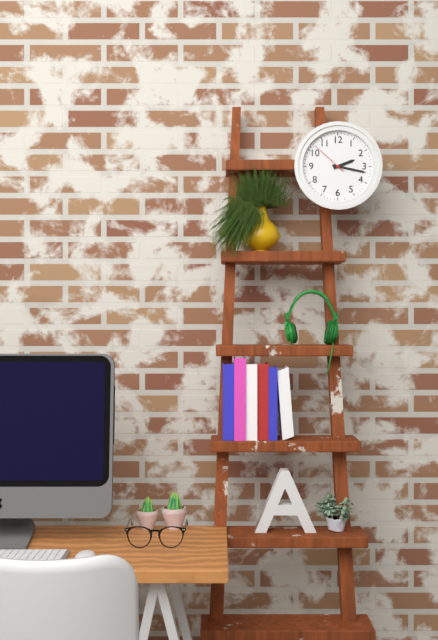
2:17
